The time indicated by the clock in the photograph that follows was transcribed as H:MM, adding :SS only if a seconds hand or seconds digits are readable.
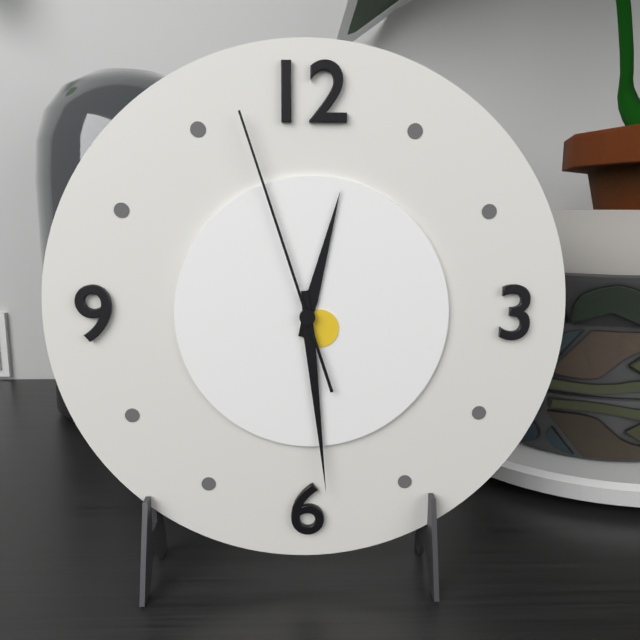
12:29:57
